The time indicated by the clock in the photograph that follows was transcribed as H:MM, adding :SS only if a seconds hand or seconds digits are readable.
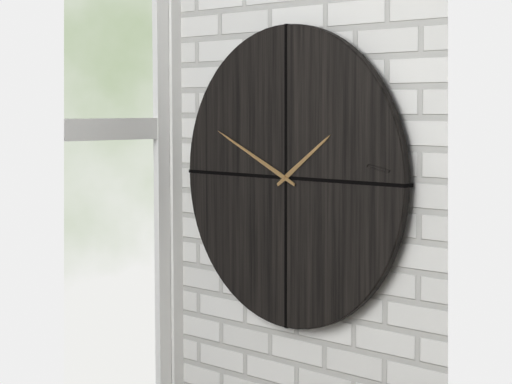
1:49
